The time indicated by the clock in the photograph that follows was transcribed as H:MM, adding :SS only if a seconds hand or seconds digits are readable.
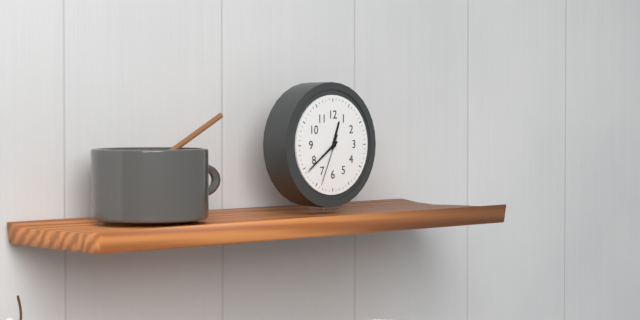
12:39:34
